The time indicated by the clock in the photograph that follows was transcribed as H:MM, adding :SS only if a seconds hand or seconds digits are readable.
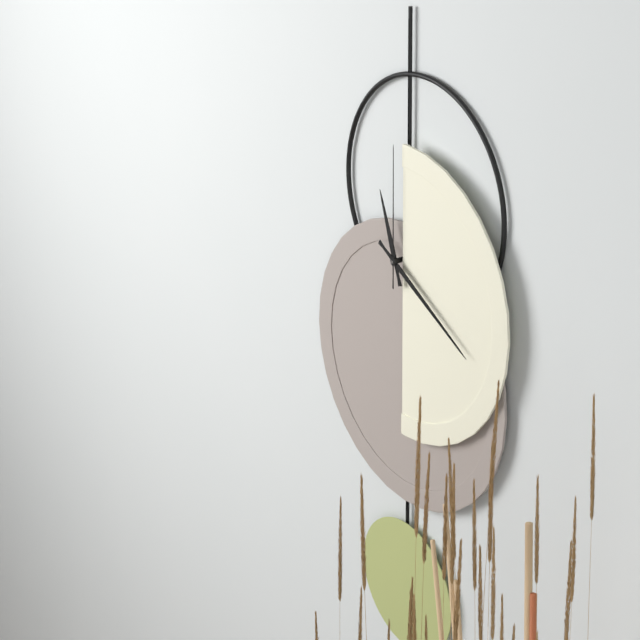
11:20:00
